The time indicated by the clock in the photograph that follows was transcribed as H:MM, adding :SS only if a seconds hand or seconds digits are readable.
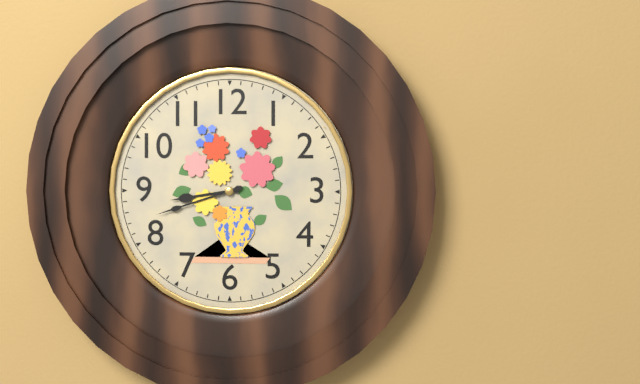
8:42
